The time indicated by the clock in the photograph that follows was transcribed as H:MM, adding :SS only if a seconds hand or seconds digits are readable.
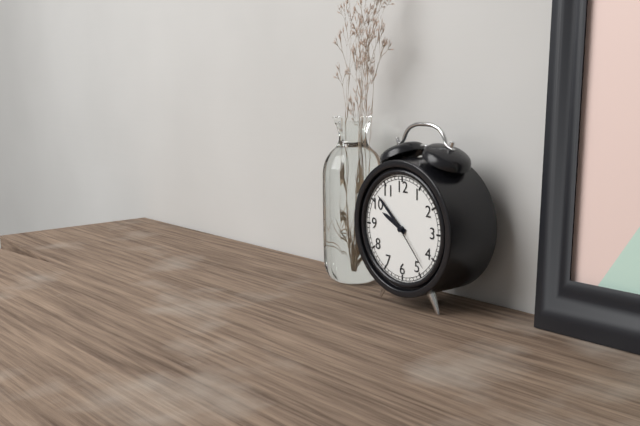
9:52:23
